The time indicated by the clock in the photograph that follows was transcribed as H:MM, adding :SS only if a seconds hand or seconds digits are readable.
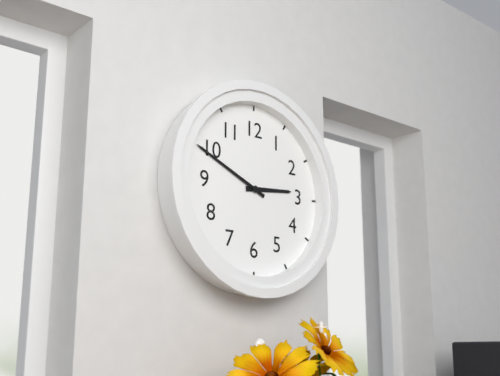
2:49
